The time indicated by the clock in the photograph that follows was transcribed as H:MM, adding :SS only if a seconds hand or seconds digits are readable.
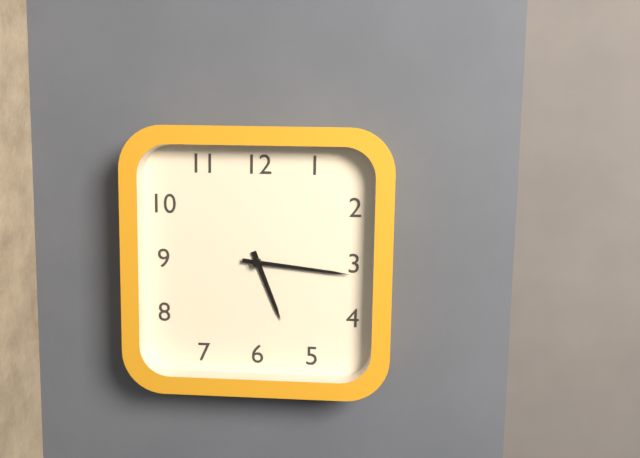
5:16
